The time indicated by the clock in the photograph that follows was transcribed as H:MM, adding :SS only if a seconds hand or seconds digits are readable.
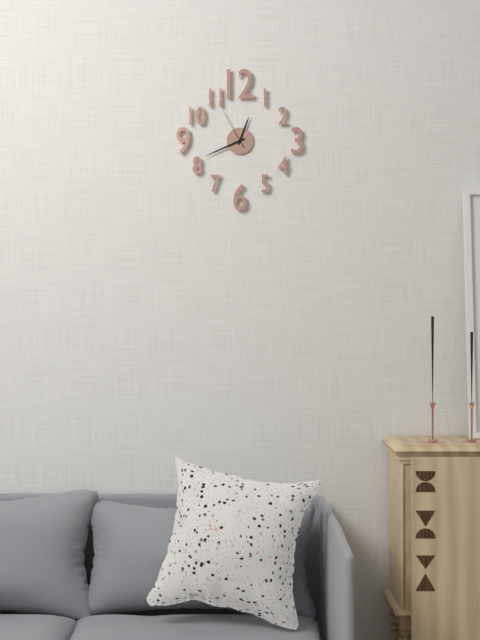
12:41
